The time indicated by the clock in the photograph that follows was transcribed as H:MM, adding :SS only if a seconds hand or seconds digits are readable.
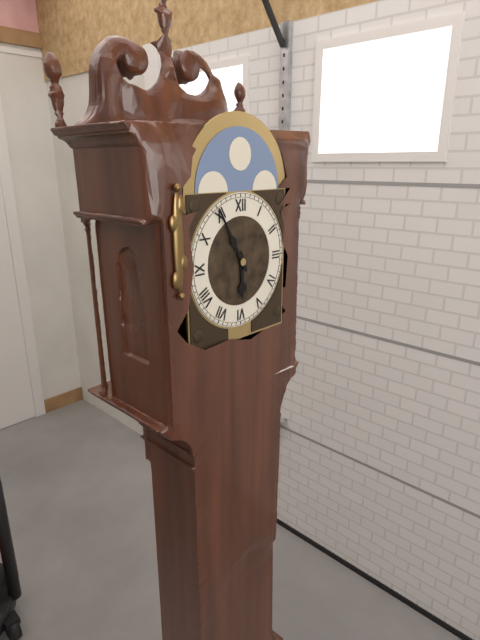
5:55
